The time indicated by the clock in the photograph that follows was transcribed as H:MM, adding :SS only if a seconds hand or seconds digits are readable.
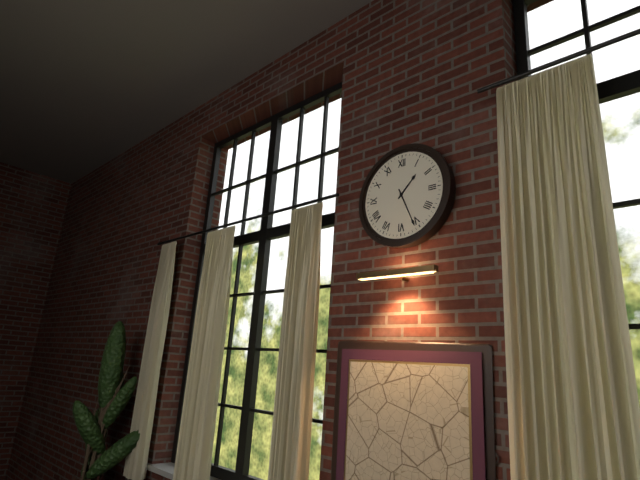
1:26
